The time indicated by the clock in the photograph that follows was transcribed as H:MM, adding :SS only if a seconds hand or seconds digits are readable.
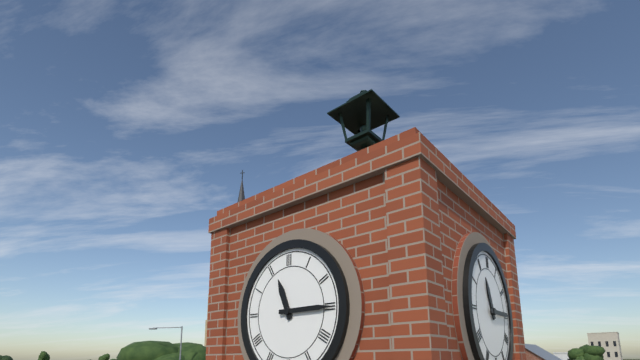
11:15
